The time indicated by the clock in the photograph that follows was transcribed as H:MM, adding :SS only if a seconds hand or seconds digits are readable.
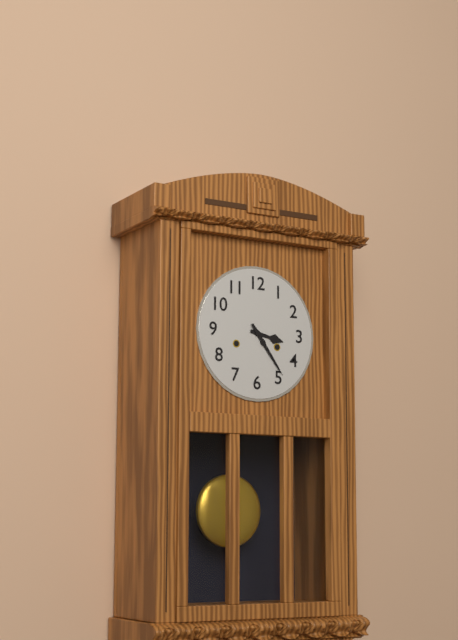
3:24
